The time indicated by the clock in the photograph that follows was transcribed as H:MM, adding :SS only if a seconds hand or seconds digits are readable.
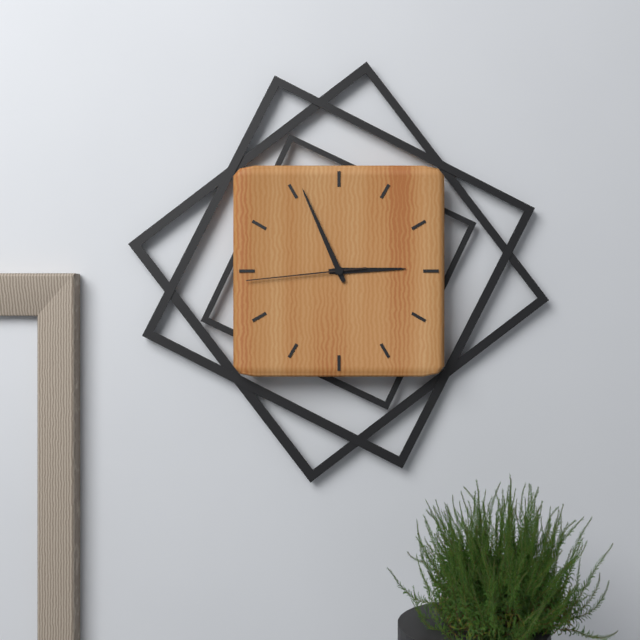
2:56:44
